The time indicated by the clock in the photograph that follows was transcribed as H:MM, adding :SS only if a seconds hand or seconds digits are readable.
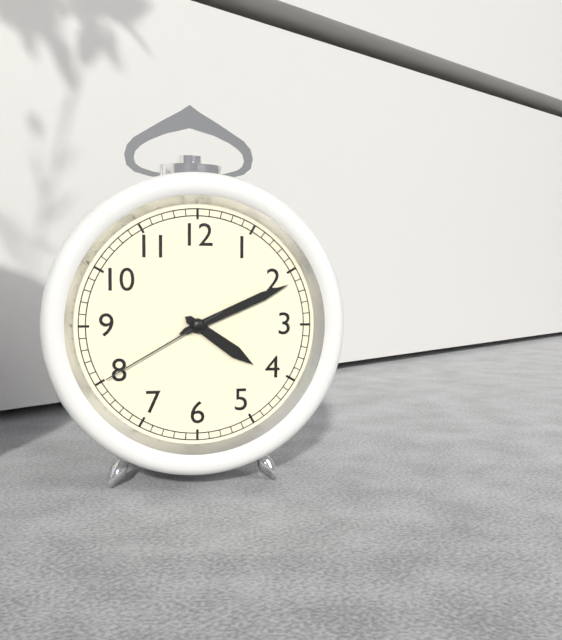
4:11:40
